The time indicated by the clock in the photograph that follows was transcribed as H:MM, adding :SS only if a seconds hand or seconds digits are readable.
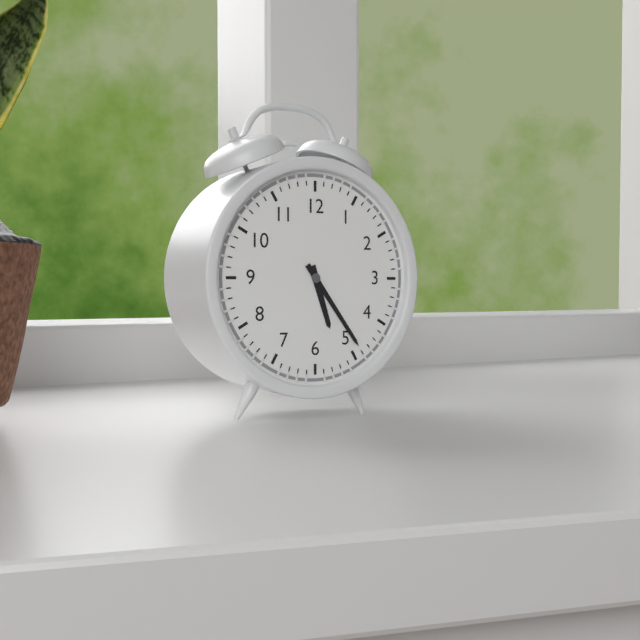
5:24
